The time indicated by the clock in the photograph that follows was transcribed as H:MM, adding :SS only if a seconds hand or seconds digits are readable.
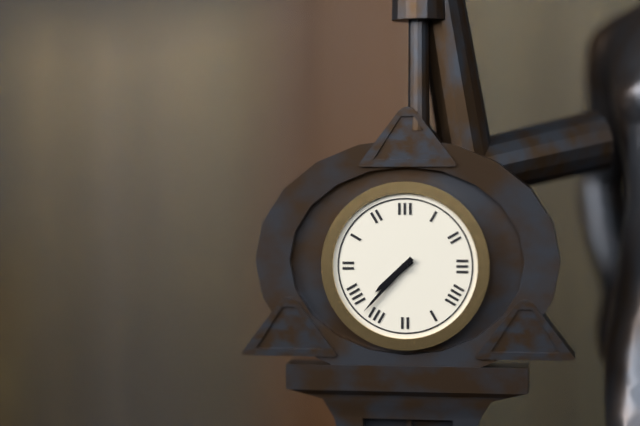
7:37
